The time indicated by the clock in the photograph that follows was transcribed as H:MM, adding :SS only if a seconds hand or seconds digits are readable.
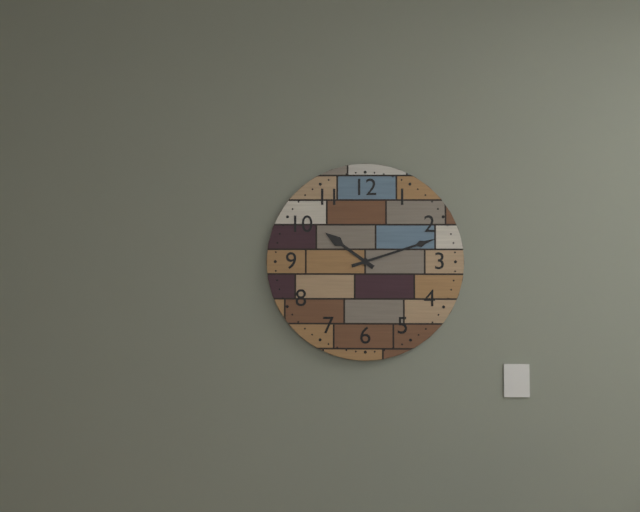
10:12
